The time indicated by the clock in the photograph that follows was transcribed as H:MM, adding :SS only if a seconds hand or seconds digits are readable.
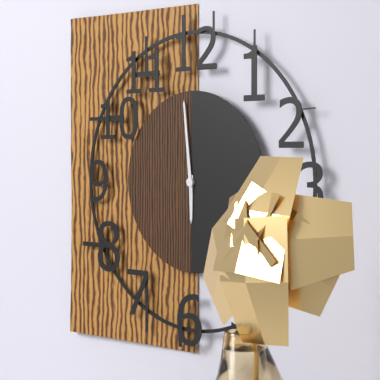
5:59
